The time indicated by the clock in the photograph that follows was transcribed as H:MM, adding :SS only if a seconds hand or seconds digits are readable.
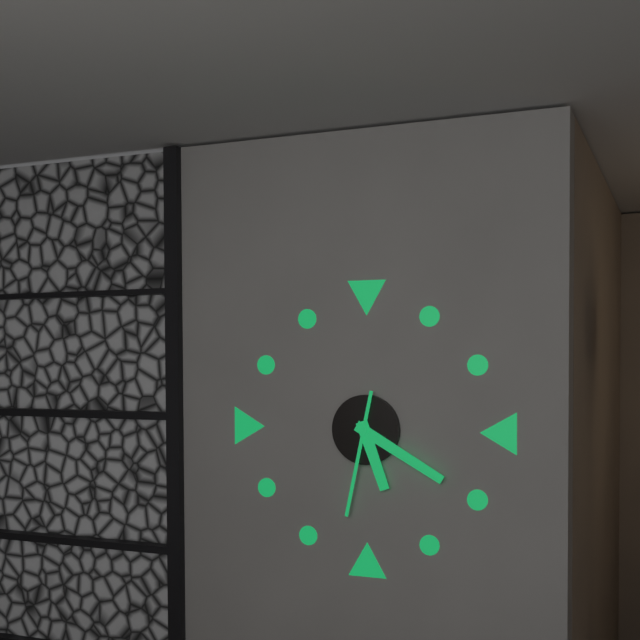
5:20:32
